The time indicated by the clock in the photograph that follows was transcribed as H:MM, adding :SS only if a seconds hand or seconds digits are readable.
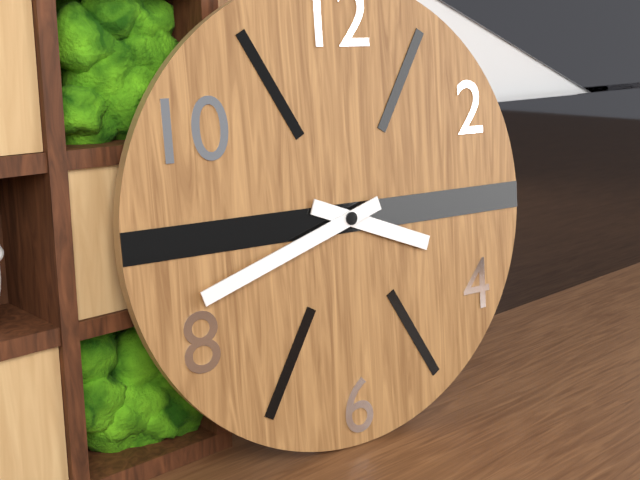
3:42
